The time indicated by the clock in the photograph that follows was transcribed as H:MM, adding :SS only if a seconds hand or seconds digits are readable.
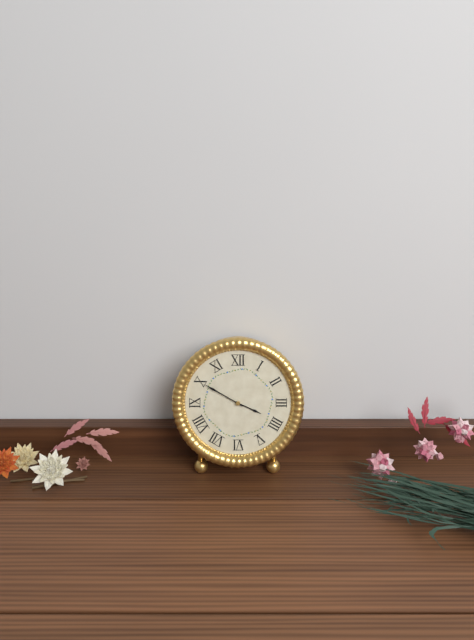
3:50
